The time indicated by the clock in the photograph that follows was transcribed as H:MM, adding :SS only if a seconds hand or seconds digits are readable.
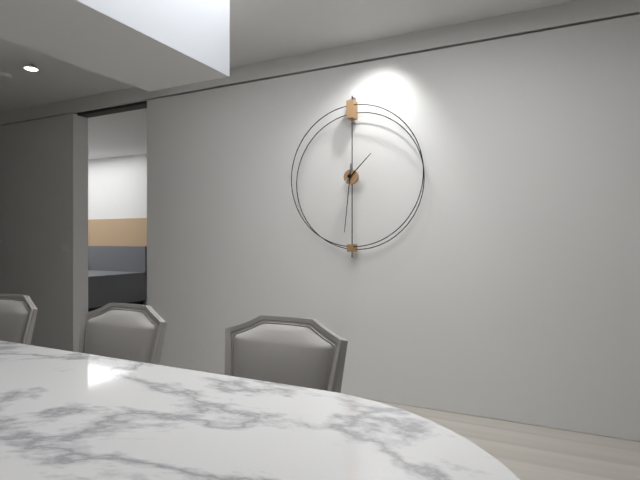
1:31
